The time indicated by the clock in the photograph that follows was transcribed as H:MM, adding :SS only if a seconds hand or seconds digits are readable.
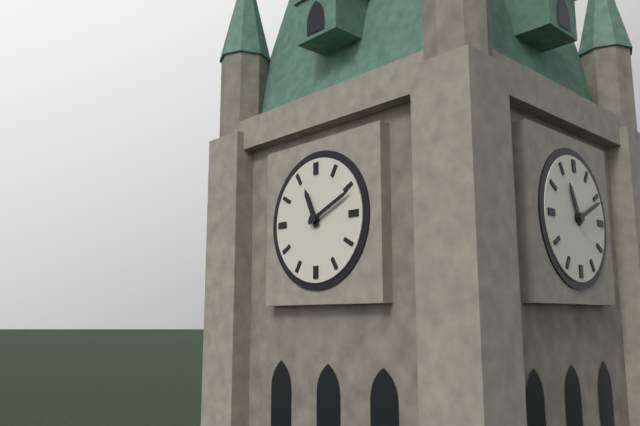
11:11
